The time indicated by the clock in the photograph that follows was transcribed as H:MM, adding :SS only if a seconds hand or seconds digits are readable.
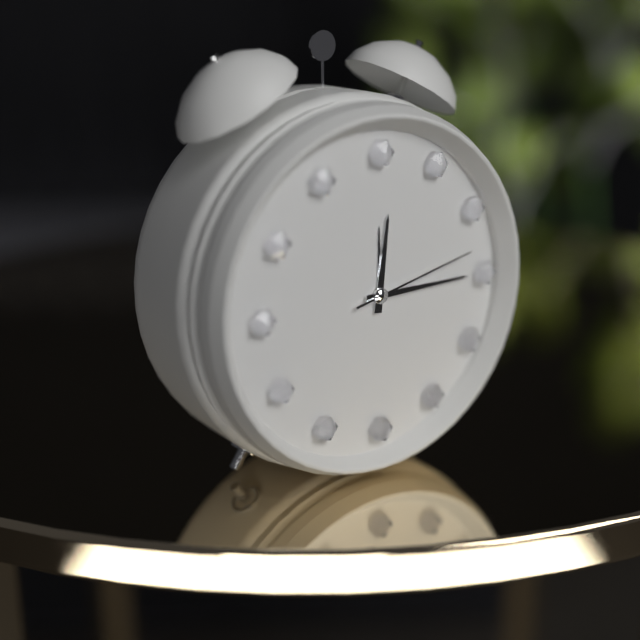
12:15:13
